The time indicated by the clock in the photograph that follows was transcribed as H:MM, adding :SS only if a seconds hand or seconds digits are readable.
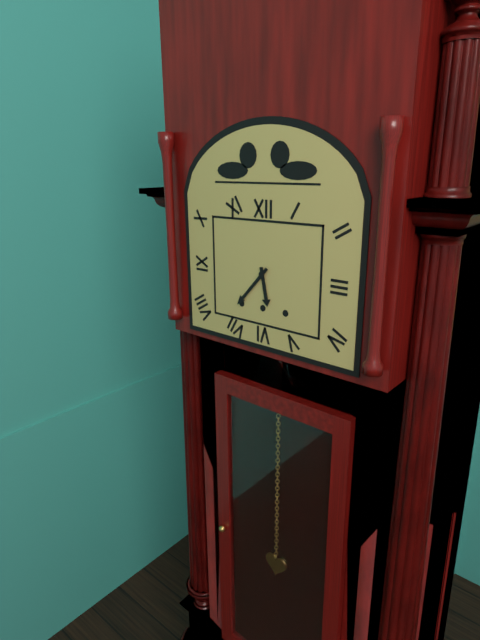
5:37
